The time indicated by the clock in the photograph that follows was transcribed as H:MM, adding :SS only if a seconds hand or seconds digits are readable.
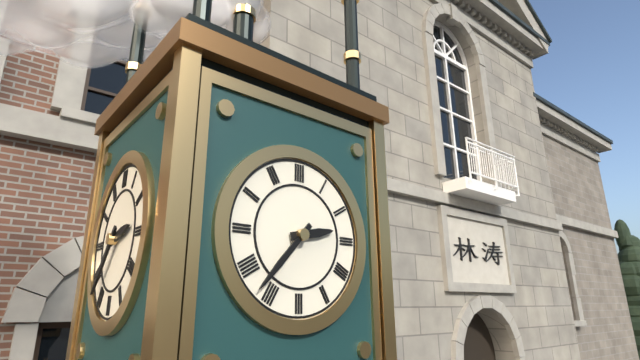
2:37
